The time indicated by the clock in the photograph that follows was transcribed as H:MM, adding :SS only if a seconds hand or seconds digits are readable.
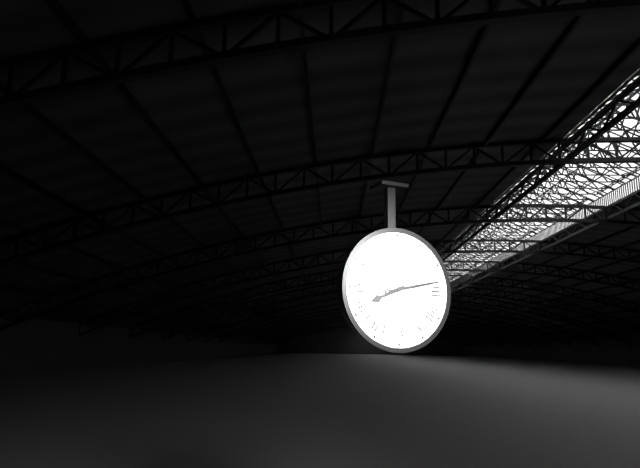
8:13
